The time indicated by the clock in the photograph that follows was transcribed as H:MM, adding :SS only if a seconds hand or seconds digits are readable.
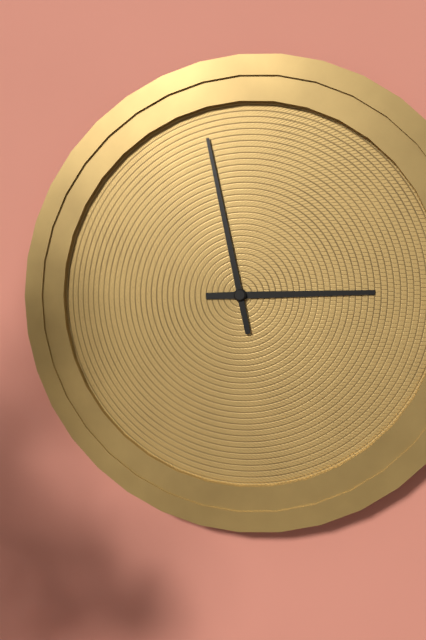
2:58
